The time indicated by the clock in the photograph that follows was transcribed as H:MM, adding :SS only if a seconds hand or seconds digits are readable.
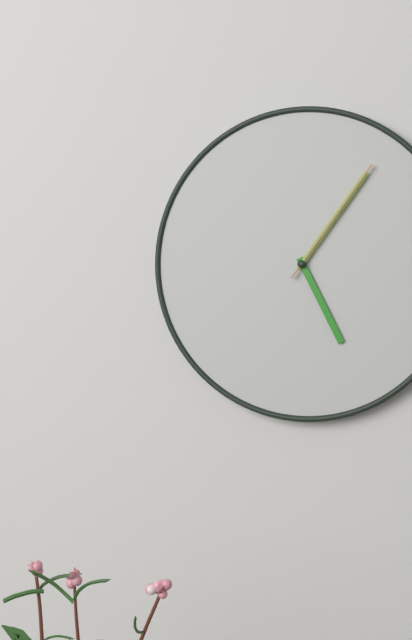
5:06:06
